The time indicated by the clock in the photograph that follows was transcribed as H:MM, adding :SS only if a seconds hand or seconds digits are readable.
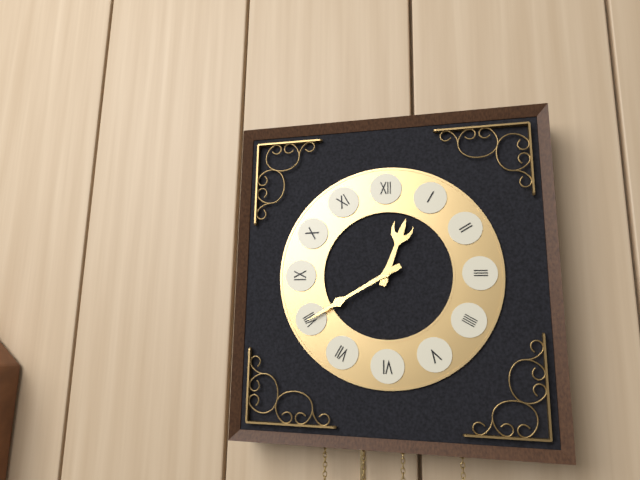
12:40
